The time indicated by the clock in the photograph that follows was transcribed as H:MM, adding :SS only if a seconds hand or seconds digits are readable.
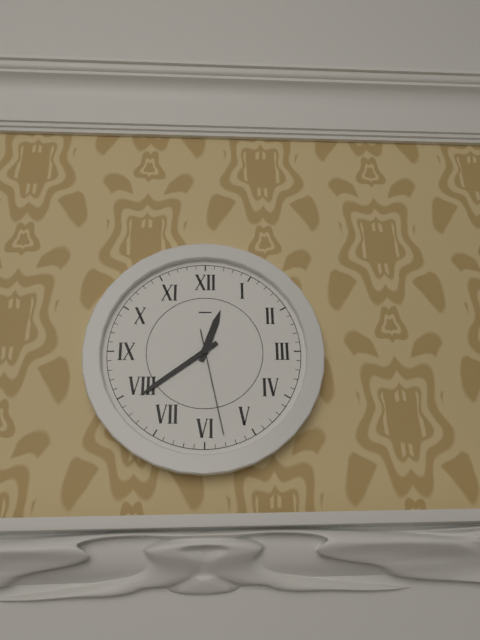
12:39:28
